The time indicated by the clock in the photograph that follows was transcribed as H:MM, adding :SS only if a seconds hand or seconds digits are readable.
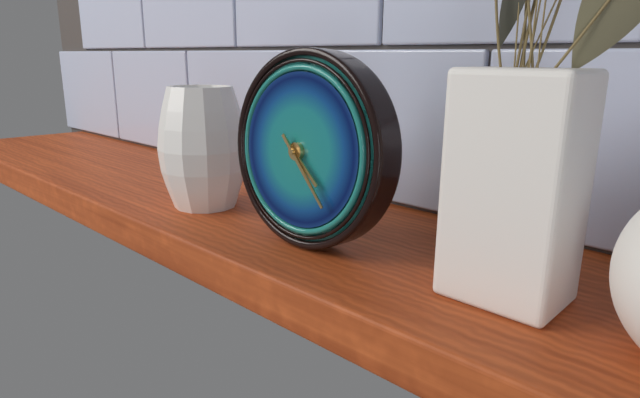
4:23
